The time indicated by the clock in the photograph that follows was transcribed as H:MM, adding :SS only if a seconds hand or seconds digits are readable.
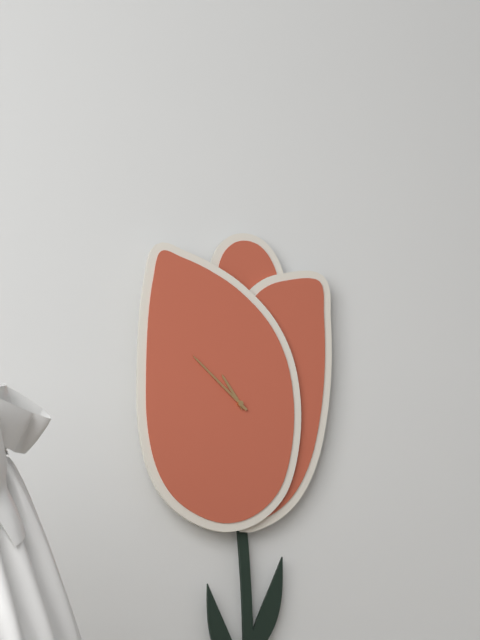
10:52
